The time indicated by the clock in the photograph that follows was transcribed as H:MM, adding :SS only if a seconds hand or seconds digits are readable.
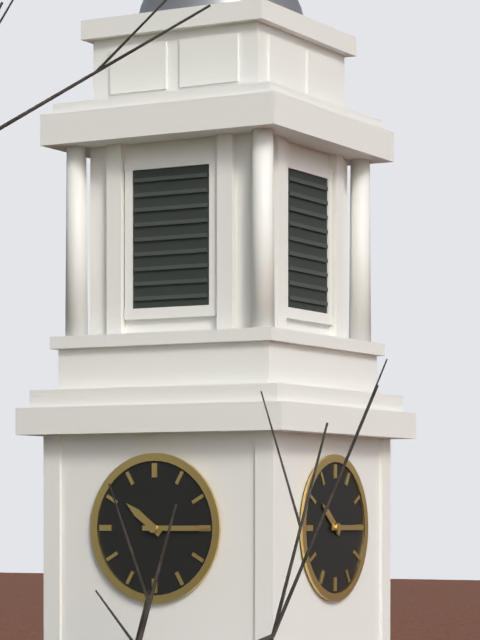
10:15
